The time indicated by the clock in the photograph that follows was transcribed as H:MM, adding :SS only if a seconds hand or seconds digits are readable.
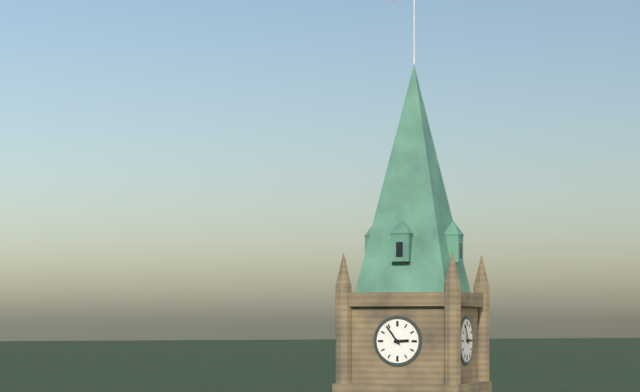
2:54
